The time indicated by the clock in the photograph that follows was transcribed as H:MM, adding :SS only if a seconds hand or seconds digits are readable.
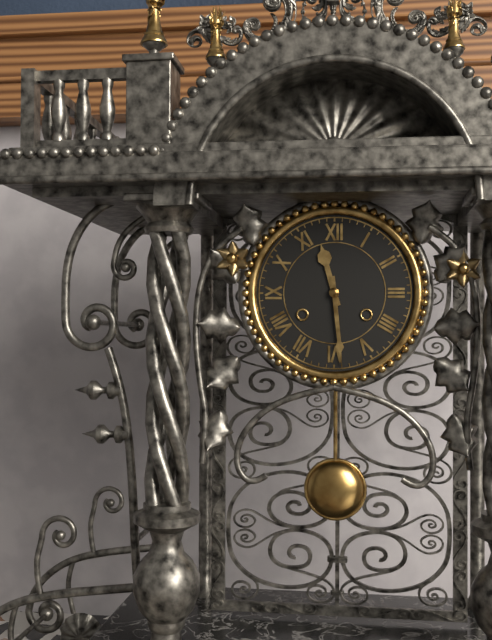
11:29
